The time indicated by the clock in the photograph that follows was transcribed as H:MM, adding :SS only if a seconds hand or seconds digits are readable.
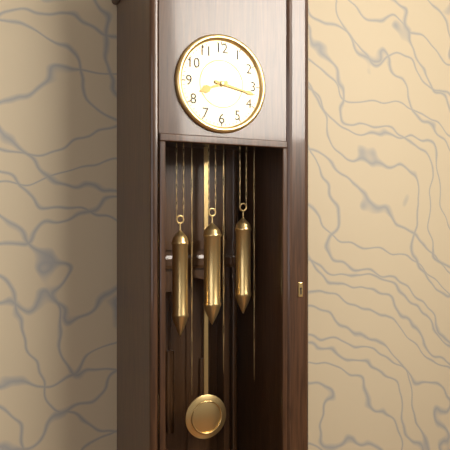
8:17
